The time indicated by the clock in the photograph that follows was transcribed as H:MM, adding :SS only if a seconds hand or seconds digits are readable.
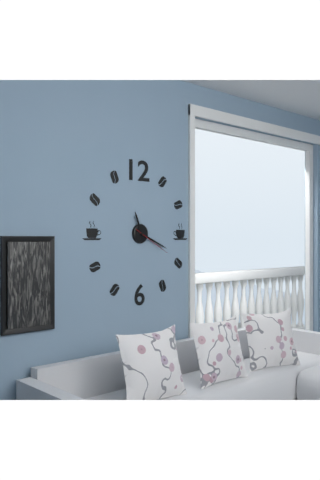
11:19
